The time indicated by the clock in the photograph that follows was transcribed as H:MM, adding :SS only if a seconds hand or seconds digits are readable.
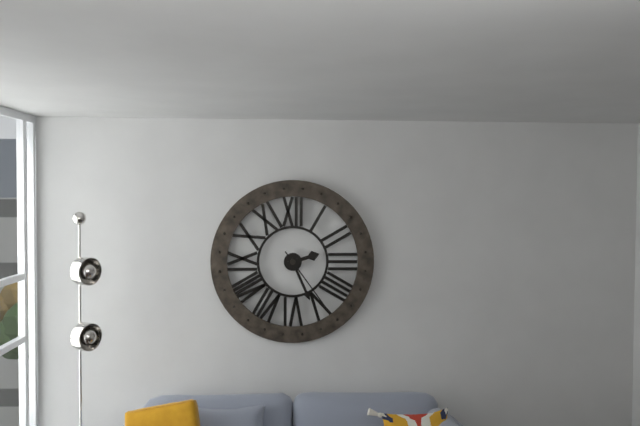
2:26:24
